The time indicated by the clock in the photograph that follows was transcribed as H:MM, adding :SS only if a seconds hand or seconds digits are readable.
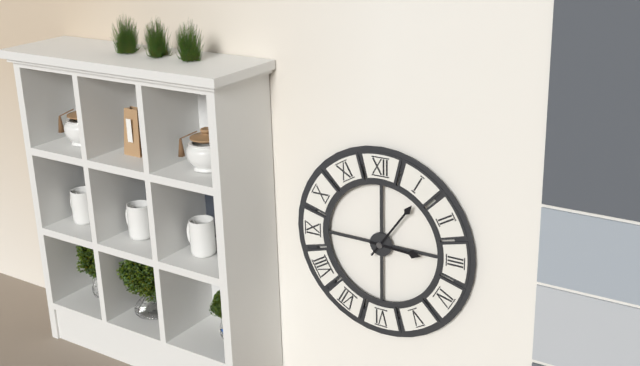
3:06
